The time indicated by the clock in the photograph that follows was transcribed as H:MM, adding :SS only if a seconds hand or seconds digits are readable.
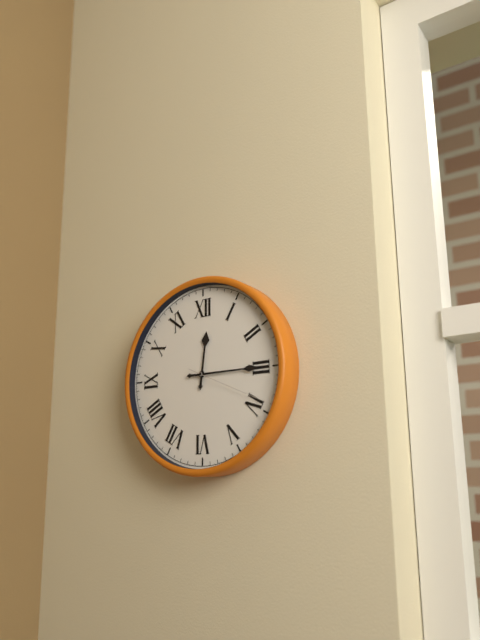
12:15:19
